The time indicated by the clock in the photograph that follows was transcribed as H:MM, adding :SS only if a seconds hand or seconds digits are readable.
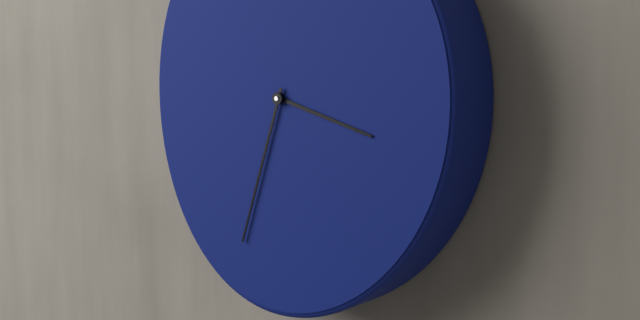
3:33
